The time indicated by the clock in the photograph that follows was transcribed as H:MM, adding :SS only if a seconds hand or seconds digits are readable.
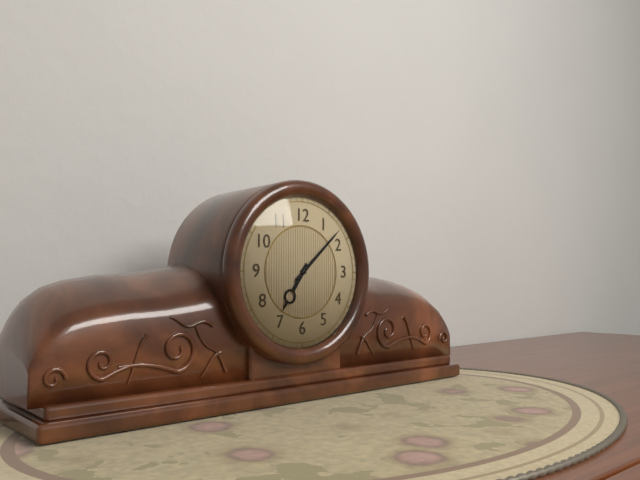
7:08
